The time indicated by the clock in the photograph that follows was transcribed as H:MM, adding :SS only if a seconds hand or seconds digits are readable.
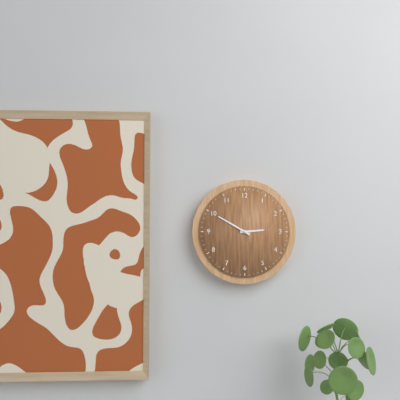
2:50
